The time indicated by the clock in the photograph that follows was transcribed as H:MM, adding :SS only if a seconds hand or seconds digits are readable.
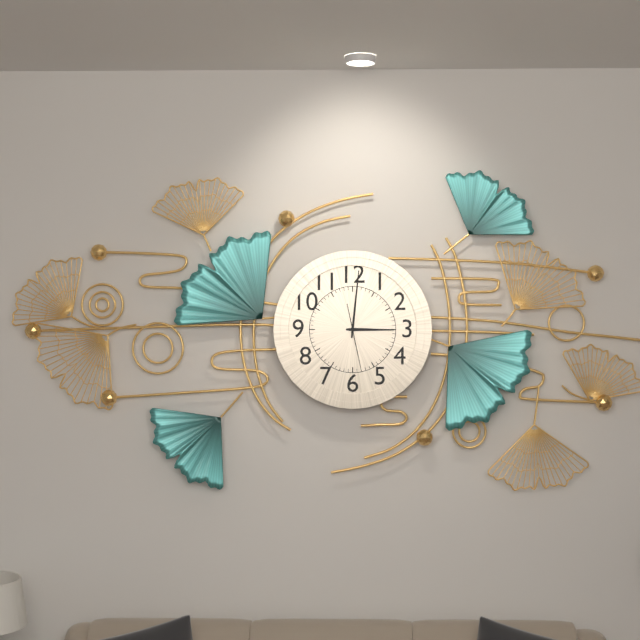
3:01:28
